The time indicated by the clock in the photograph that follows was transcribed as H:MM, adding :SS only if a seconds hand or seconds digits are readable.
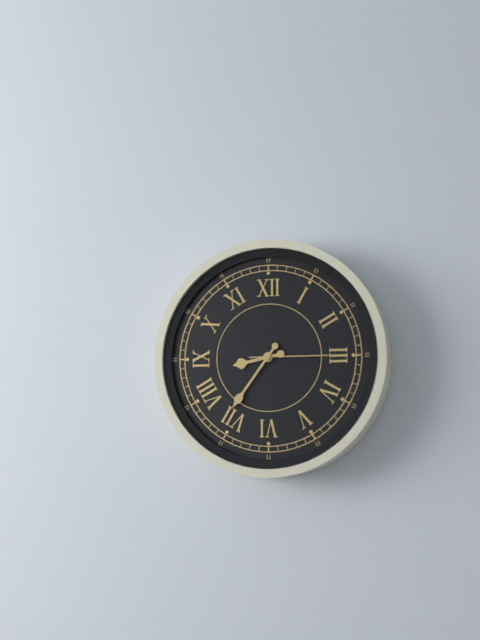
8:36:15
